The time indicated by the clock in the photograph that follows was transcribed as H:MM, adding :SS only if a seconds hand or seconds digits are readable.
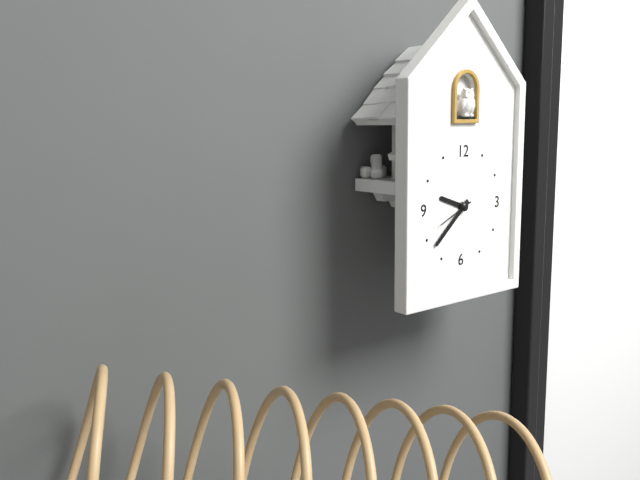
9:38:41
